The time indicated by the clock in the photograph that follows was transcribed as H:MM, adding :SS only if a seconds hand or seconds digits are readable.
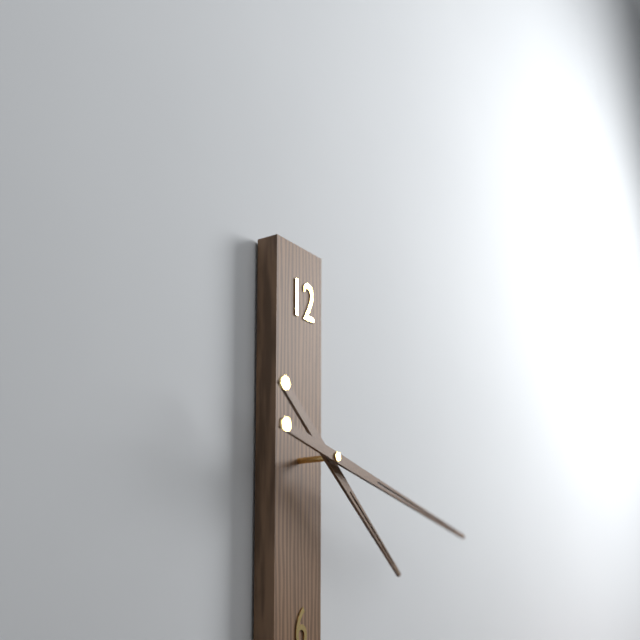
4:17
